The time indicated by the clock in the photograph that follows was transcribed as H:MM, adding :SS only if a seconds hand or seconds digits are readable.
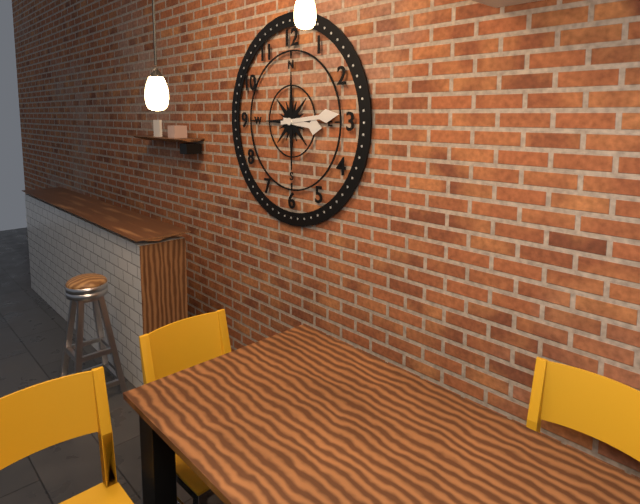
3:14
